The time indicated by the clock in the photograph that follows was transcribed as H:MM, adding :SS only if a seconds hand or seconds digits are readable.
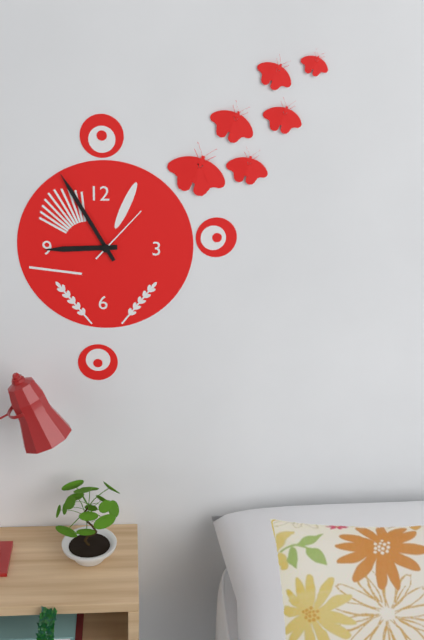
8:55:07
